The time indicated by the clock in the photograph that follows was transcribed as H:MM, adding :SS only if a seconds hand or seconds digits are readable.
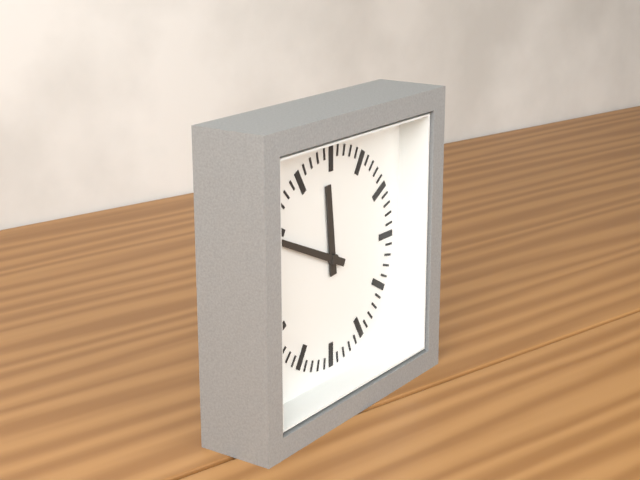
11:49
